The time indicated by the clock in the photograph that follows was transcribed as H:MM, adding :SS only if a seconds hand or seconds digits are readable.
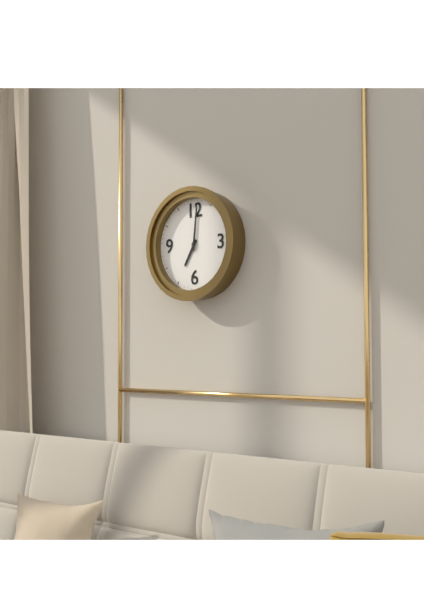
7:01
